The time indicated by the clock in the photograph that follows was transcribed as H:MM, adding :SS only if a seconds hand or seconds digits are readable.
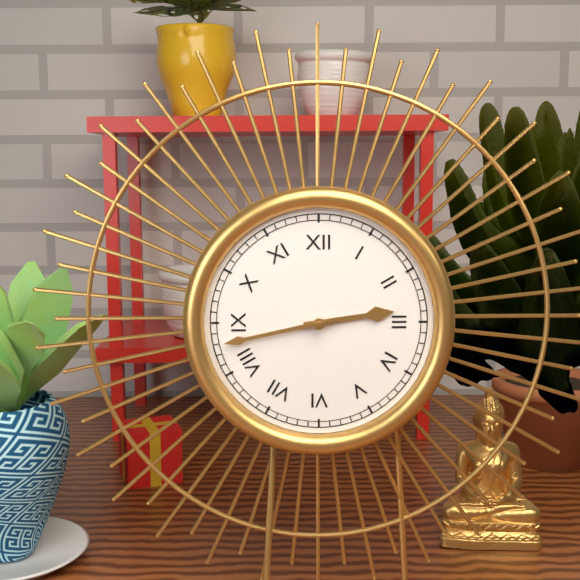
2:43
